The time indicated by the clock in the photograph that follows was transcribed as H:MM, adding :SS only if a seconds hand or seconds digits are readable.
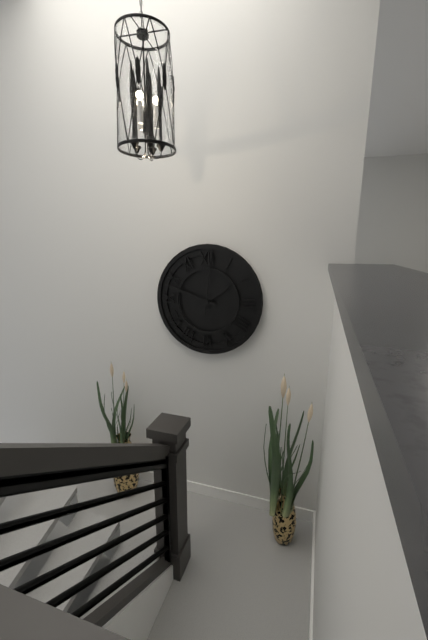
1:48:01
